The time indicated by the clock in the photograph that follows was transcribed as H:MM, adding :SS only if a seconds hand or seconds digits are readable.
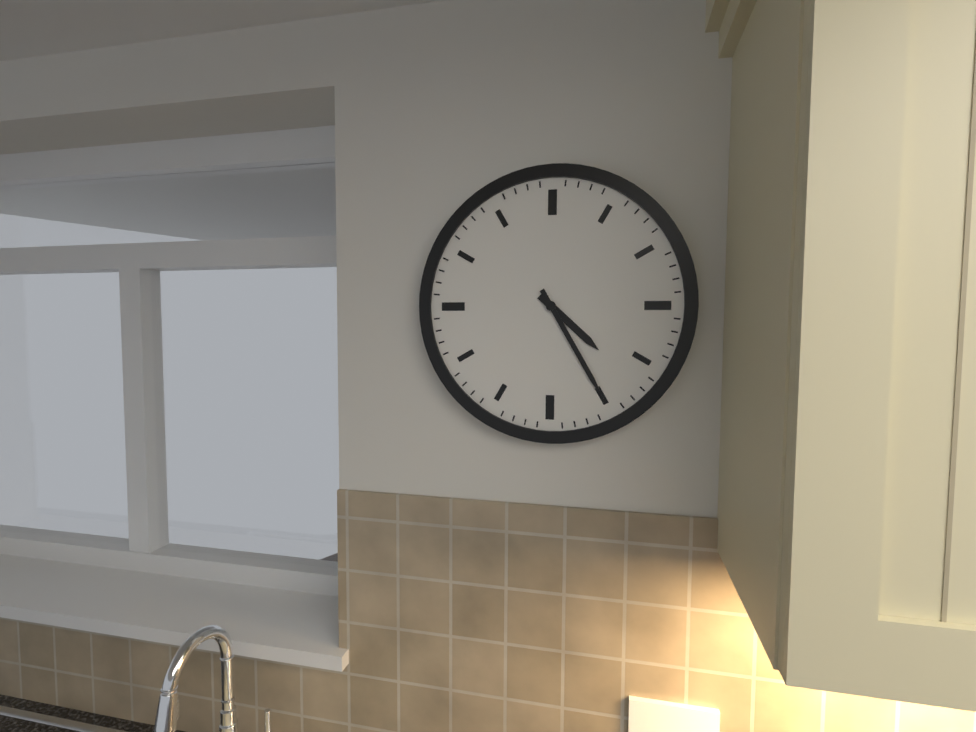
4:25
